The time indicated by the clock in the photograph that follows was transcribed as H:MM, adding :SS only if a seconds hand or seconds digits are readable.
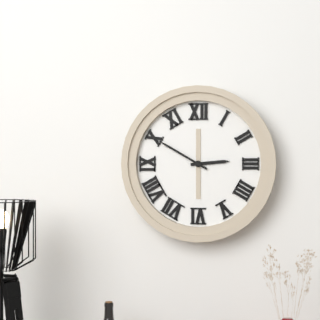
2:50
